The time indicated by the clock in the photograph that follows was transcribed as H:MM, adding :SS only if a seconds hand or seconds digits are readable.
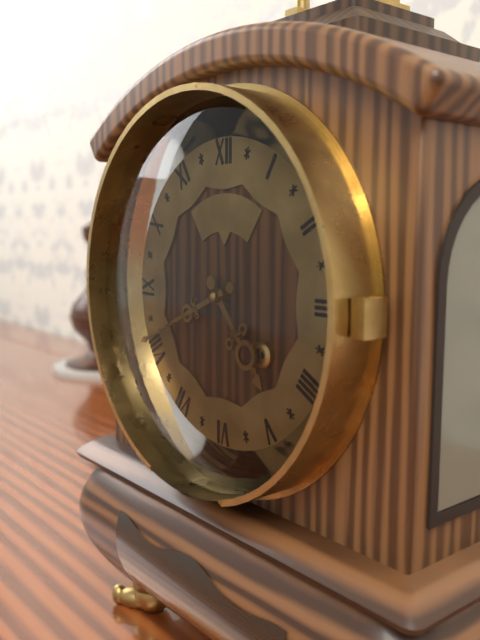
4:41
